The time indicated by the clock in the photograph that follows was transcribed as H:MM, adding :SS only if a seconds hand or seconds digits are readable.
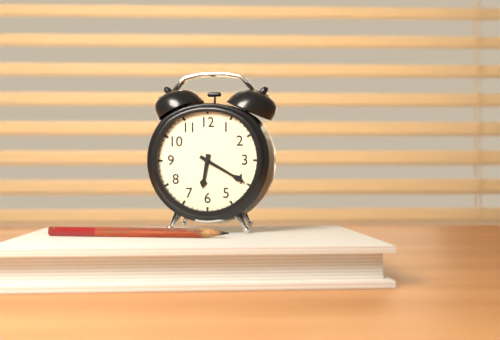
6:20
